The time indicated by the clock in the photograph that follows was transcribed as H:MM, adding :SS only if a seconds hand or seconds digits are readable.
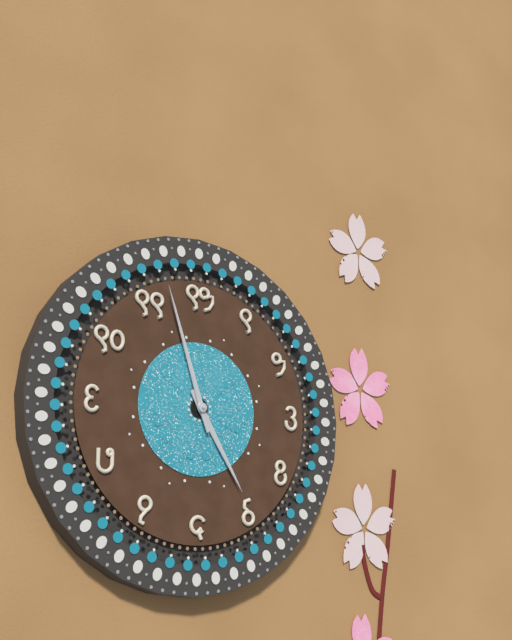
4:57
